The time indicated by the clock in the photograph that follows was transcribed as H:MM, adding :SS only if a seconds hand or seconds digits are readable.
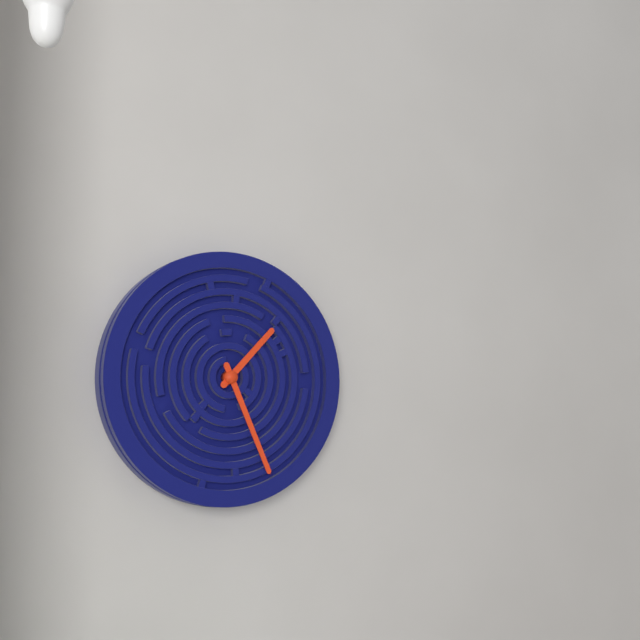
1:26
